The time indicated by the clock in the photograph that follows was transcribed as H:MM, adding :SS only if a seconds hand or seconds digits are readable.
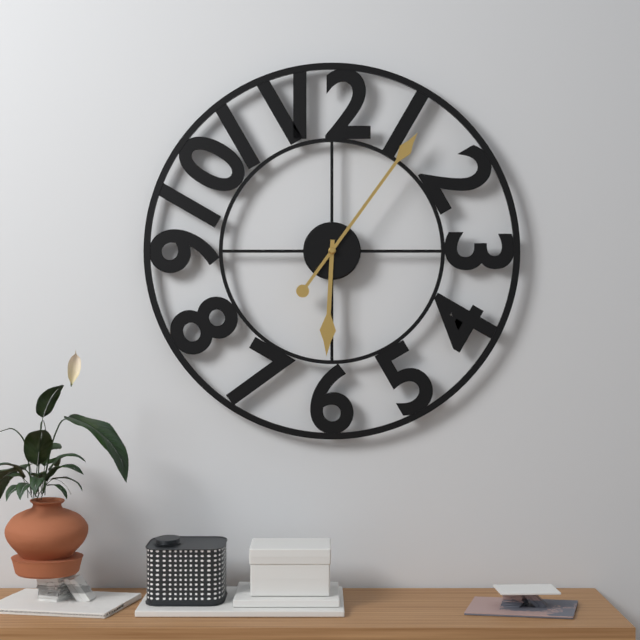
6:06
